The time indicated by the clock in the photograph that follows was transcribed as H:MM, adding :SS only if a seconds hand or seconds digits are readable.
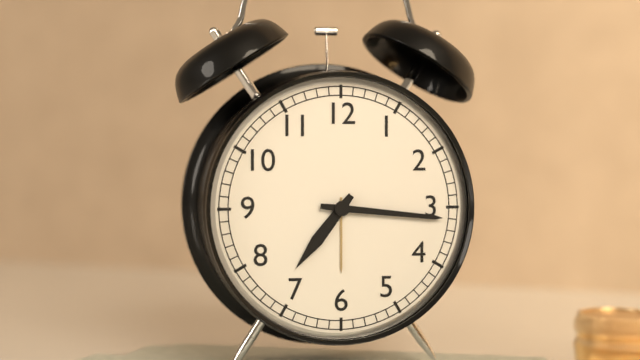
7:16
